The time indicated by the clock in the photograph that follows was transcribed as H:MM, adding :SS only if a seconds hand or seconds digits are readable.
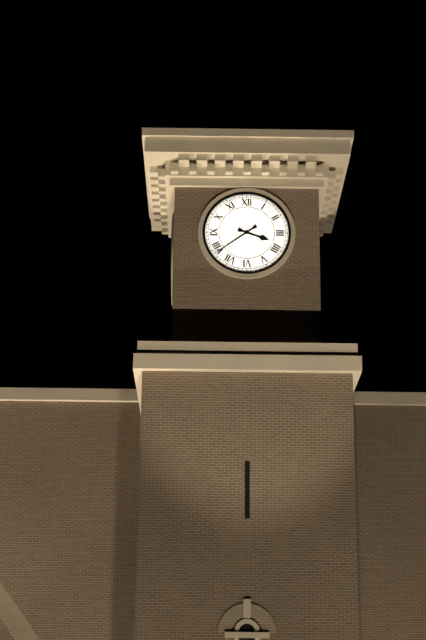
3:39
